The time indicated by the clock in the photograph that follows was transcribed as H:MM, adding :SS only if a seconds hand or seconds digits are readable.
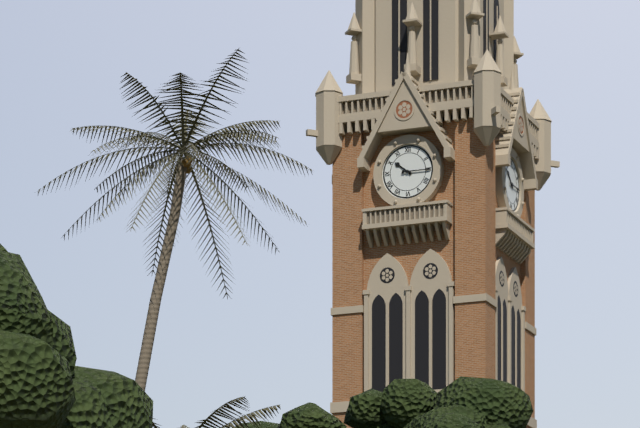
10:15
